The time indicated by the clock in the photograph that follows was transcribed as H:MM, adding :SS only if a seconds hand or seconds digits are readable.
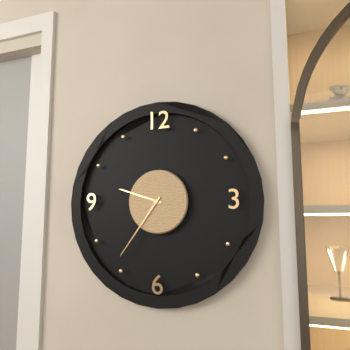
9:36
